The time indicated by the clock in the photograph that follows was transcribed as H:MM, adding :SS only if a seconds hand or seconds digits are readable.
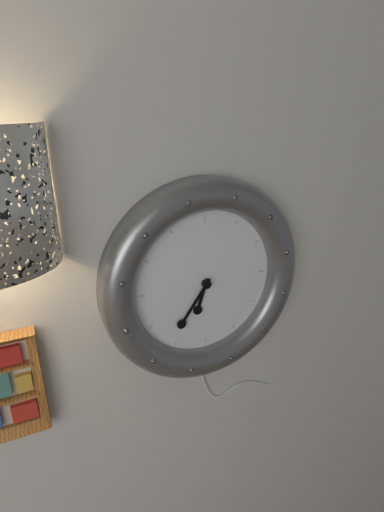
6:36
